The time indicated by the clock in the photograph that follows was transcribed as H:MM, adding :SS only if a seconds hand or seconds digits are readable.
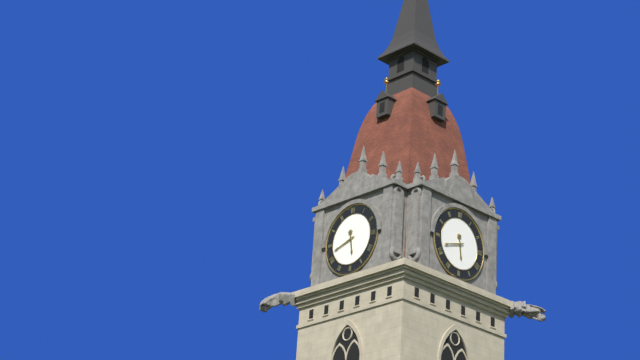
5:42
